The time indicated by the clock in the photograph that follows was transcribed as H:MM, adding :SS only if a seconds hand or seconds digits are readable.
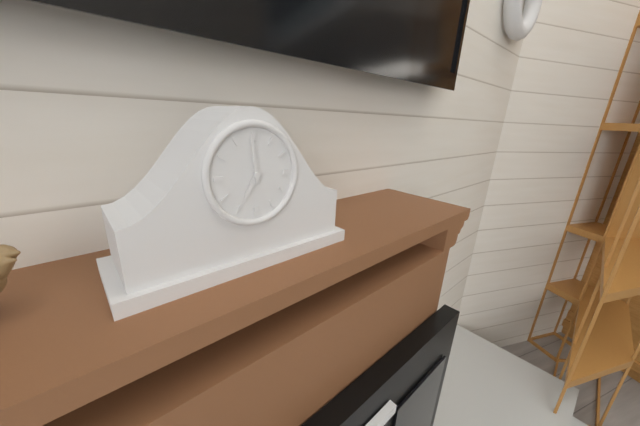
6:59
